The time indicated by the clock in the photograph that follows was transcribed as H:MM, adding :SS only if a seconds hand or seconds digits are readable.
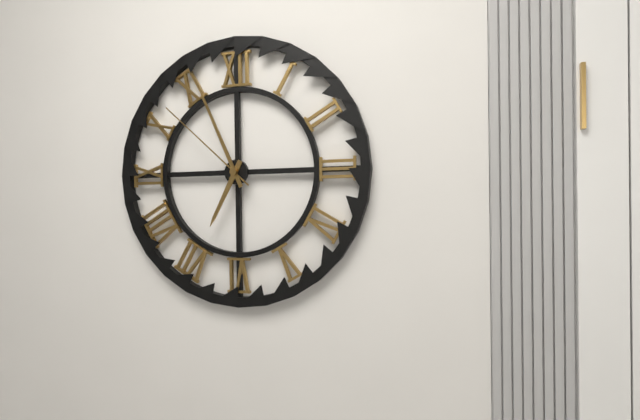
6:56:52
